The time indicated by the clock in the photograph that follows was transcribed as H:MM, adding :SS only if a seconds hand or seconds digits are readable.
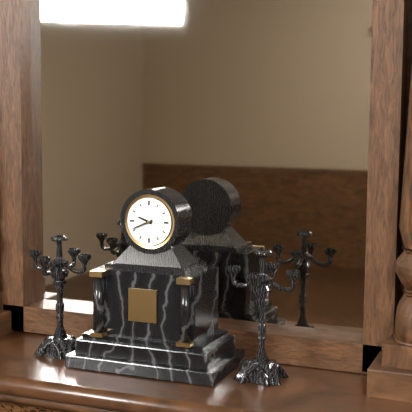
9:41
